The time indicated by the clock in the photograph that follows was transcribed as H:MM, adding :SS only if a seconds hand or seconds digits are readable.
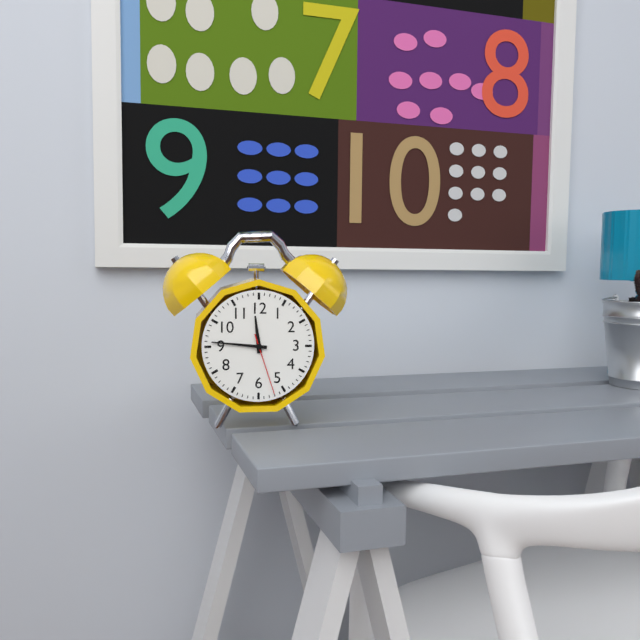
11:46:27
